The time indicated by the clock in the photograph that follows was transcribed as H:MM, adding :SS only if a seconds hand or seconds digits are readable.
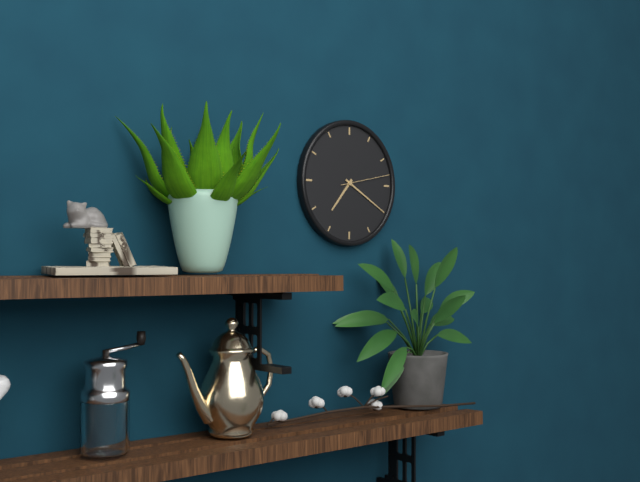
7:20:13
